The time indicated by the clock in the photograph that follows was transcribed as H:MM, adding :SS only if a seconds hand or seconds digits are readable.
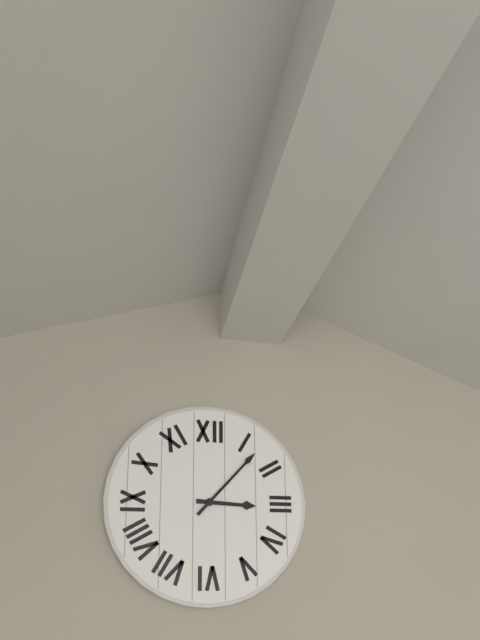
3:07
